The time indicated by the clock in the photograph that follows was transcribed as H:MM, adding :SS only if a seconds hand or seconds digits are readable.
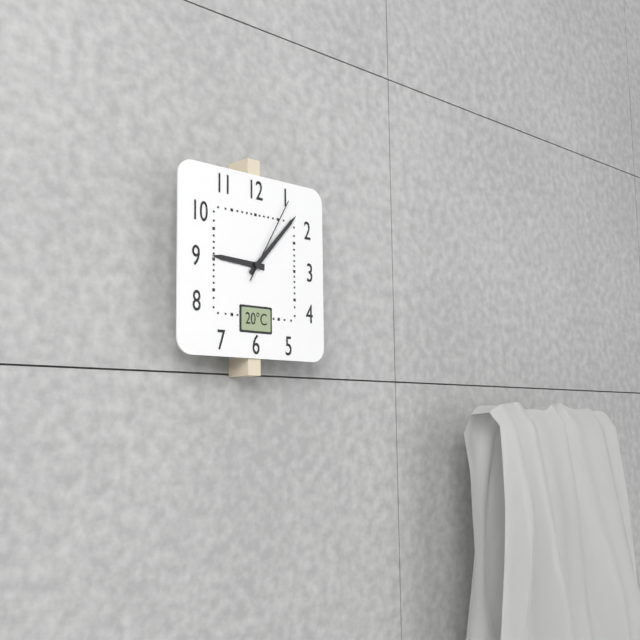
9:07:05
